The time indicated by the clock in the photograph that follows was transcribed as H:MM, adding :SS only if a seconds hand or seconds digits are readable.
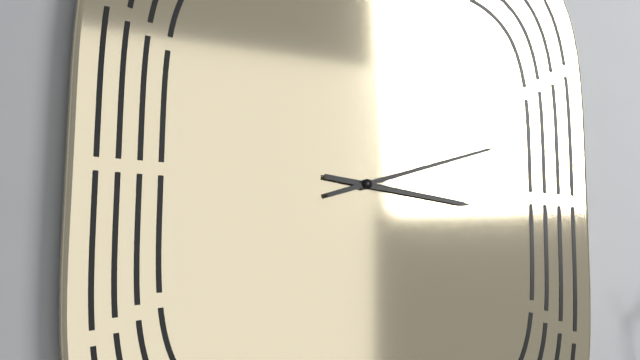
3:12
